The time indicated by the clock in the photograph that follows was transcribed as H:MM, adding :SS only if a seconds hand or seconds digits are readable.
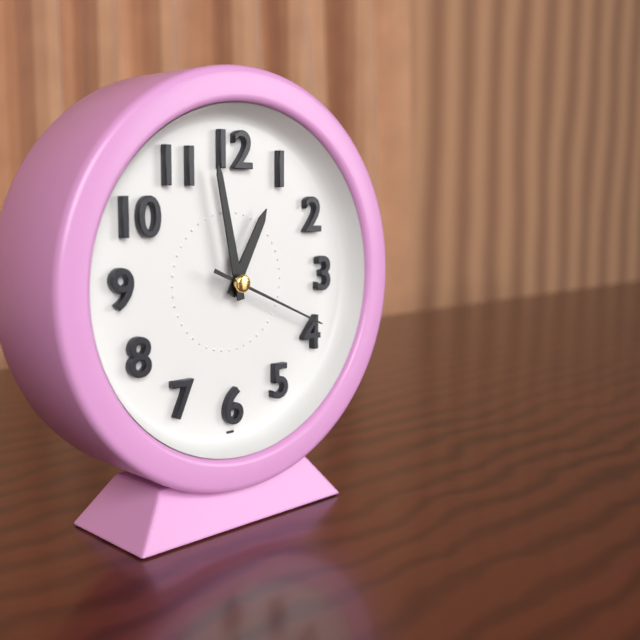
12:58:19
